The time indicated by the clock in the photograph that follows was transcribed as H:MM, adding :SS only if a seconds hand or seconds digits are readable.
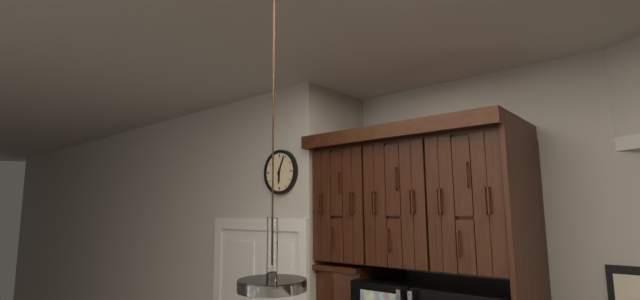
6:04
